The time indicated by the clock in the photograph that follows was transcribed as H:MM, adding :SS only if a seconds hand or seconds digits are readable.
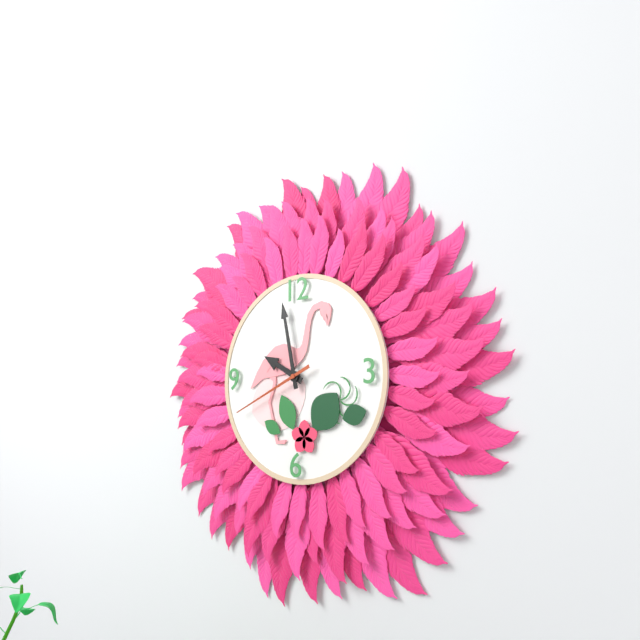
9:58:41
